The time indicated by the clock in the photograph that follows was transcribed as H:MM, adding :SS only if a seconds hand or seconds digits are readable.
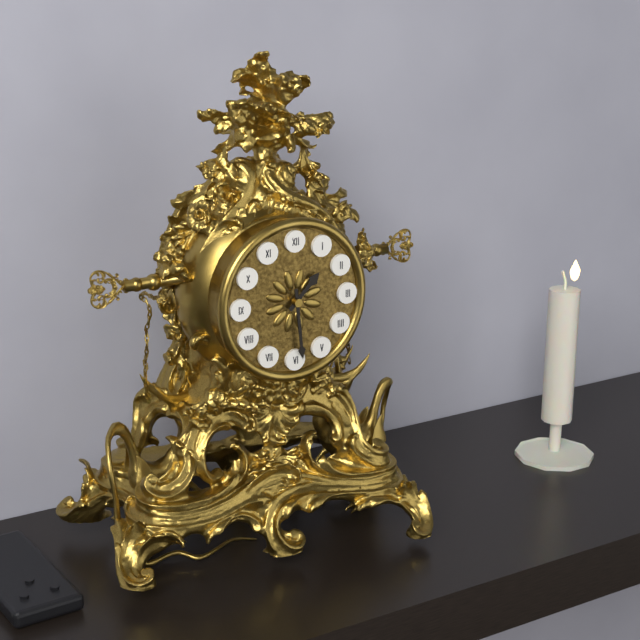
1:29
